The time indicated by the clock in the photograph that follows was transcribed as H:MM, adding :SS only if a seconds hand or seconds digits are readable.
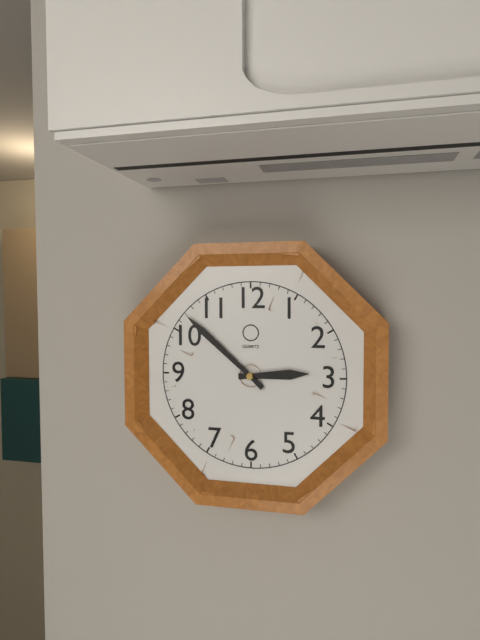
2:52
